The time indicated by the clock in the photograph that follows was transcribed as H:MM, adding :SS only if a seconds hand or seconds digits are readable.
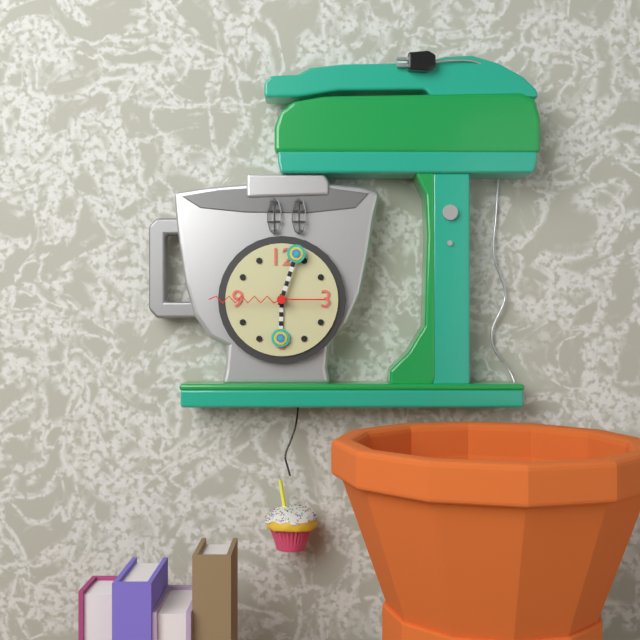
6:03:45
